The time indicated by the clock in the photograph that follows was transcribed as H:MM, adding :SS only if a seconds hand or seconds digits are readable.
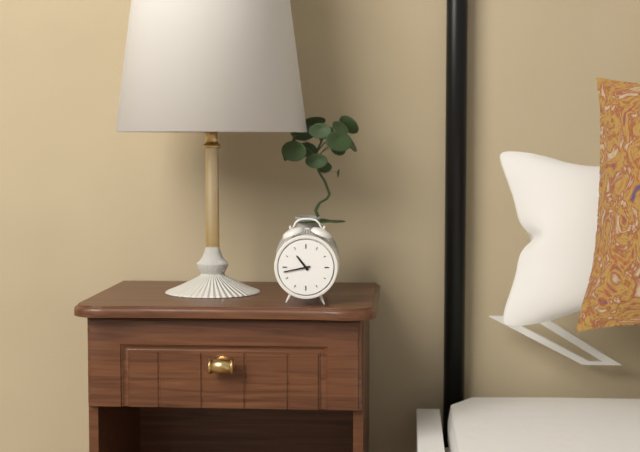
10:43
